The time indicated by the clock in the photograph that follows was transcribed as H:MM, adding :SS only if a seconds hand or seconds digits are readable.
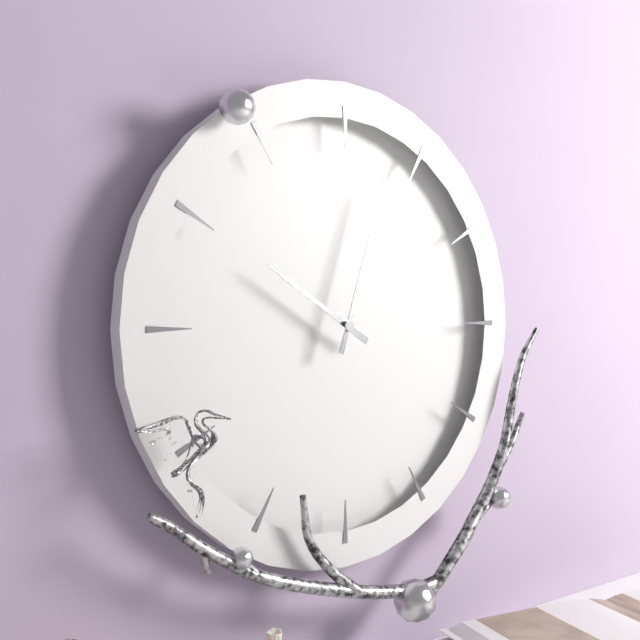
10:03
